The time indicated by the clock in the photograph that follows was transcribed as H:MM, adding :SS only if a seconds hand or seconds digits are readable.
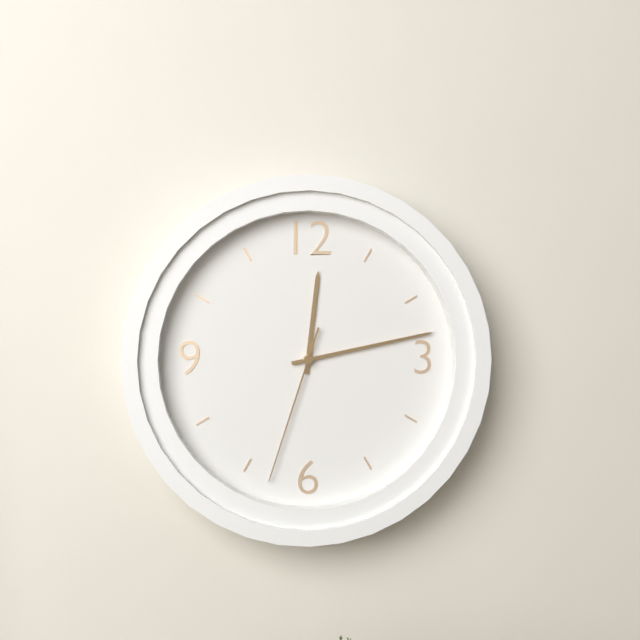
12:13:33
